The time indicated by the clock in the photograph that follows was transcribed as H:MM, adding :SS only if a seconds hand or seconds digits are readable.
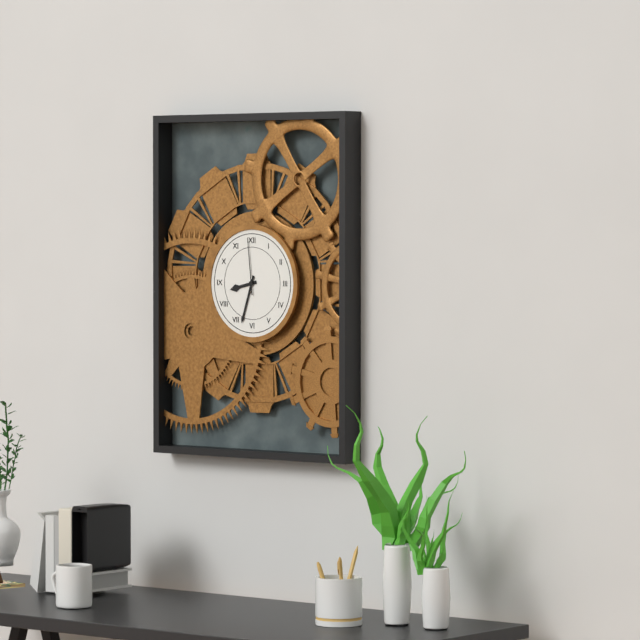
8:33:59
